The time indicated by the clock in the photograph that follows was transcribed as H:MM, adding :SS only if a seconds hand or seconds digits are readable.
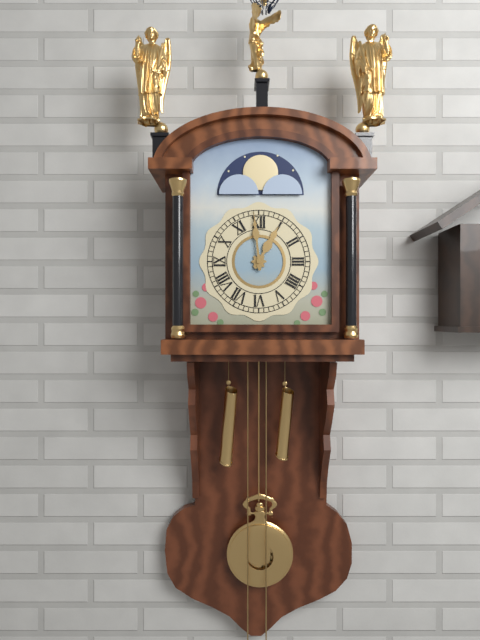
12:59
